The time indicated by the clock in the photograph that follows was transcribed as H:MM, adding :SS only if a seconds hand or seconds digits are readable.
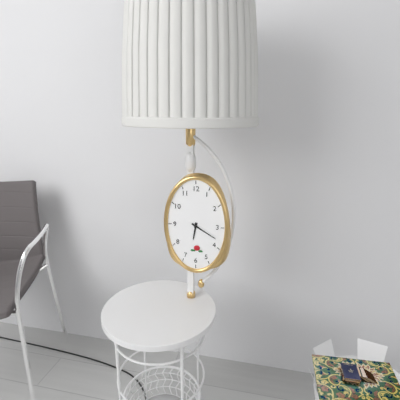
6:20
